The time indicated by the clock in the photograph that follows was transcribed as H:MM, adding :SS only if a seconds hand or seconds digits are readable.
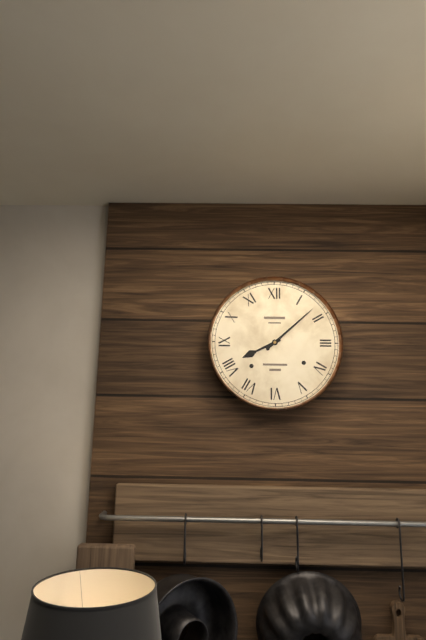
8:08
